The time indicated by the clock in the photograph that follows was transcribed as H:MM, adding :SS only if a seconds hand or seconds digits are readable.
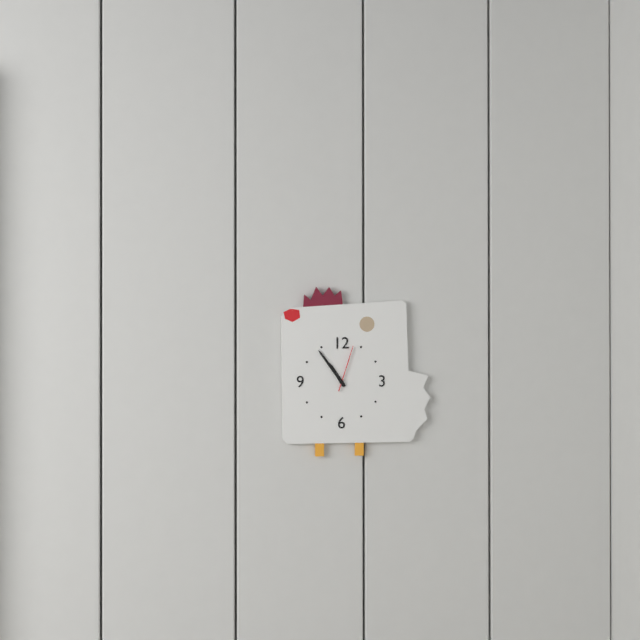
10:54
